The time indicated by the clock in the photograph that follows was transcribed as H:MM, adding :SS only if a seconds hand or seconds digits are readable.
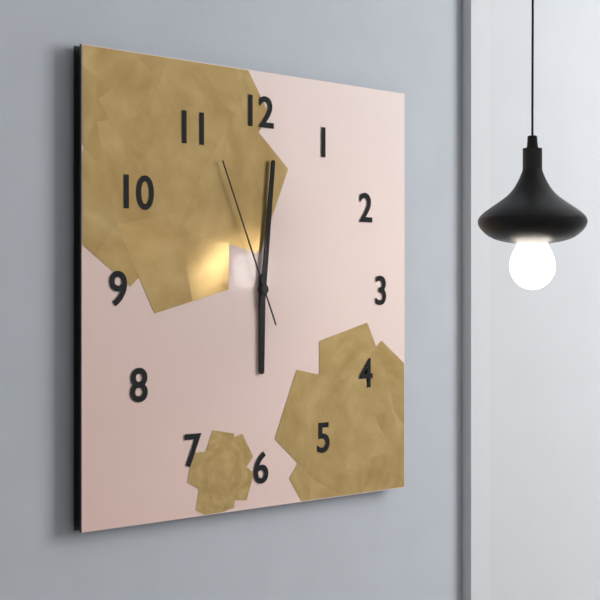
6:01:56
